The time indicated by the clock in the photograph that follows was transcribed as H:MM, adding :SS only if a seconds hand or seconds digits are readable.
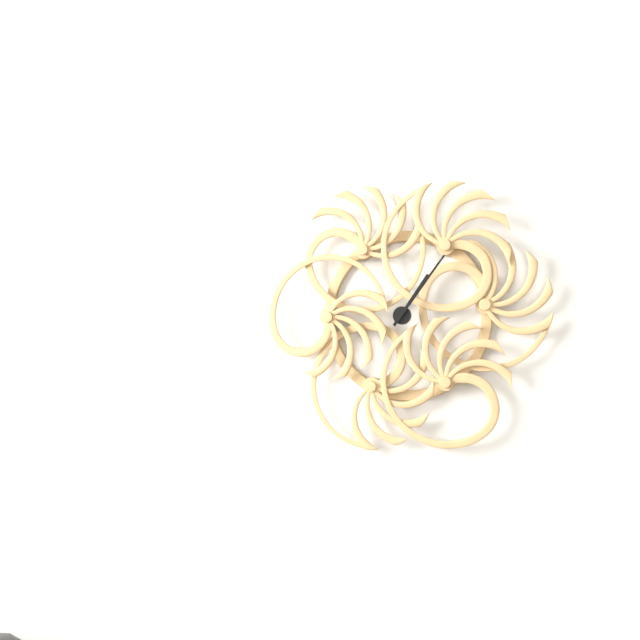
1:06
